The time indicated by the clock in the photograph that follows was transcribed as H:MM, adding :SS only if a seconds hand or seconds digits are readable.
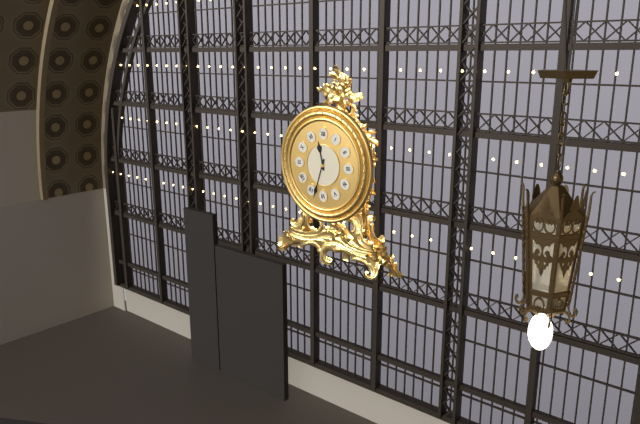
11:33
